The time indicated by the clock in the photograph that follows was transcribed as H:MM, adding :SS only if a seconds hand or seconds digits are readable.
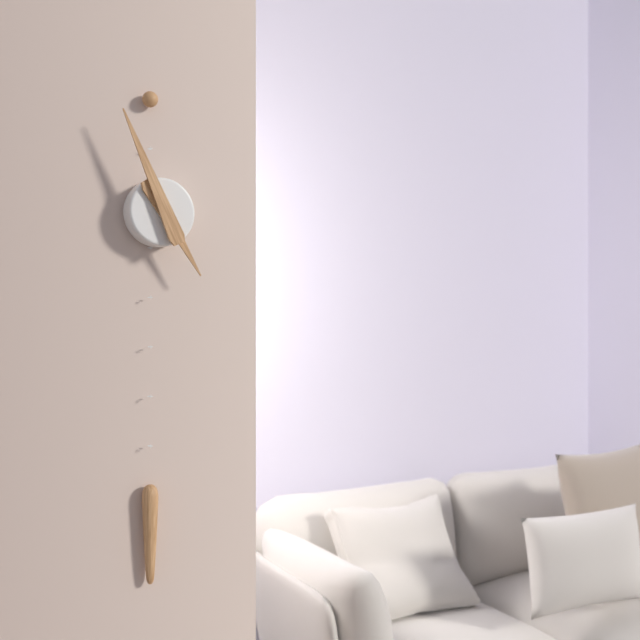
4:56
